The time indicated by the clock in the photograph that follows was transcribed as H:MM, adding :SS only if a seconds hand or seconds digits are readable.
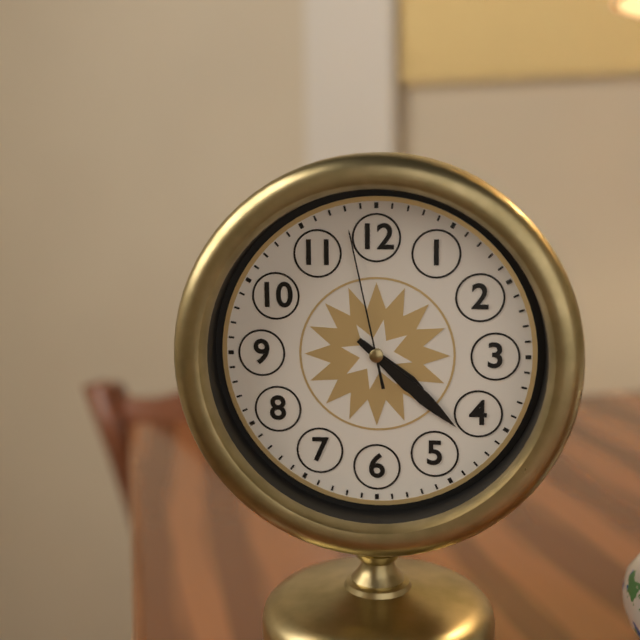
4:22:58
